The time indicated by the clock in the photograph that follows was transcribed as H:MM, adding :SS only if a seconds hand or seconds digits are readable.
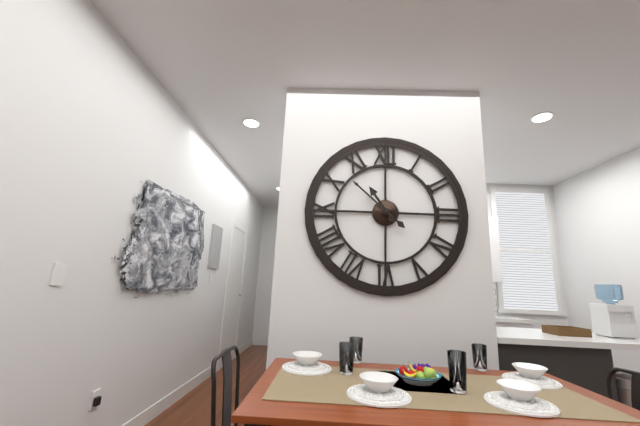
10:52
